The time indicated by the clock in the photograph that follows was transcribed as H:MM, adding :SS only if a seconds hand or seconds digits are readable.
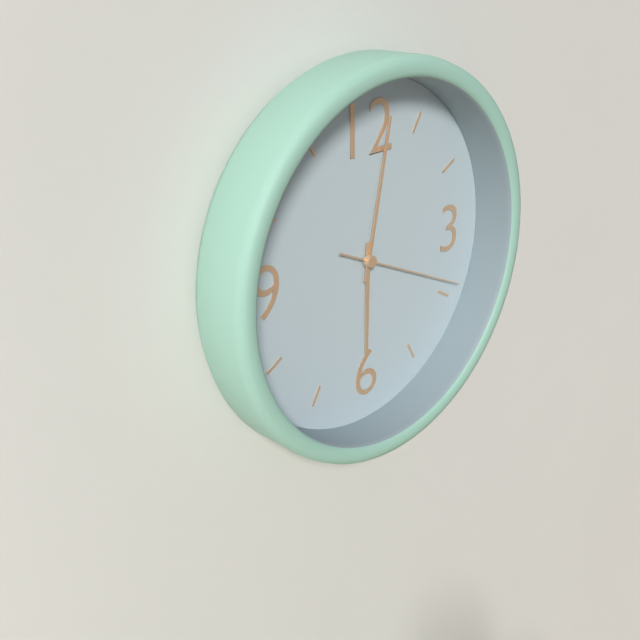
6:02:19
